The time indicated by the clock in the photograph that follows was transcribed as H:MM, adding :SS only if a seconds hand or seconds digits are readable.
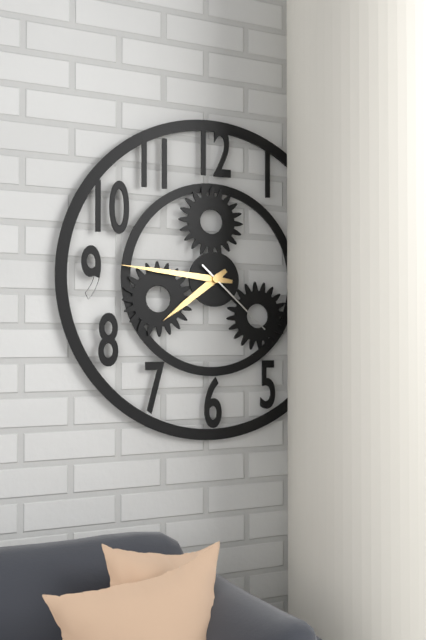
7:46:22
